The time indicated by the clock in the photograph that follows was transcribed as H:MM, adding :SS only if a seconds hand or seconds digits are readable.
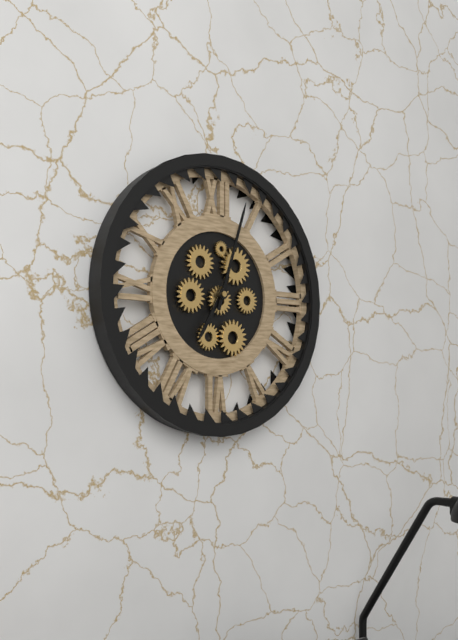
7:03
